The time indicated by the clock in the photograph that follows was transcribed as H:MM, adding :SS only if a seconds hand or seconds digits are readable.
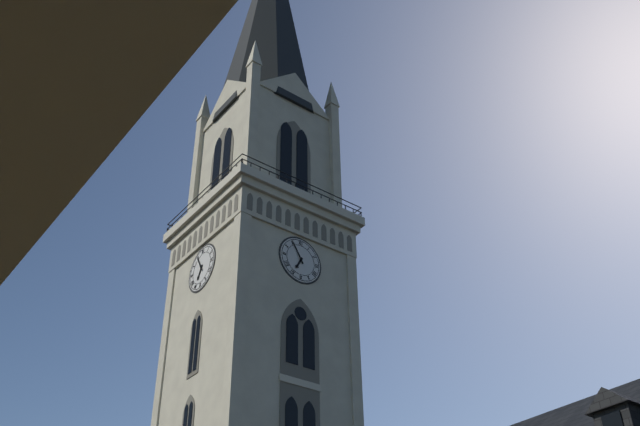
6:55
